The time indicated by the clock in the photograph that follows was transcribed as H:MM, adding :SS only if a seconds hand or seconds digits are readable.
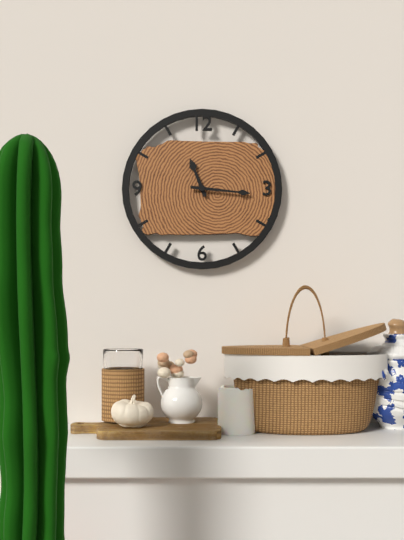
11:16
